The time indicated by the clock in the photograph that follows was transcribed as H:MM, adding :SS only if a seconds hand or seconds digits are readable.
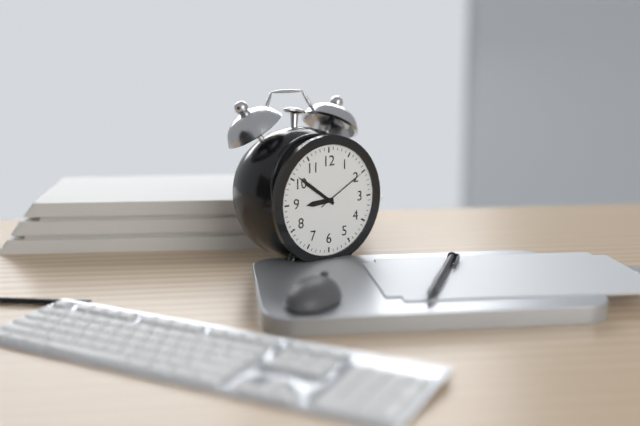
8:51:10
